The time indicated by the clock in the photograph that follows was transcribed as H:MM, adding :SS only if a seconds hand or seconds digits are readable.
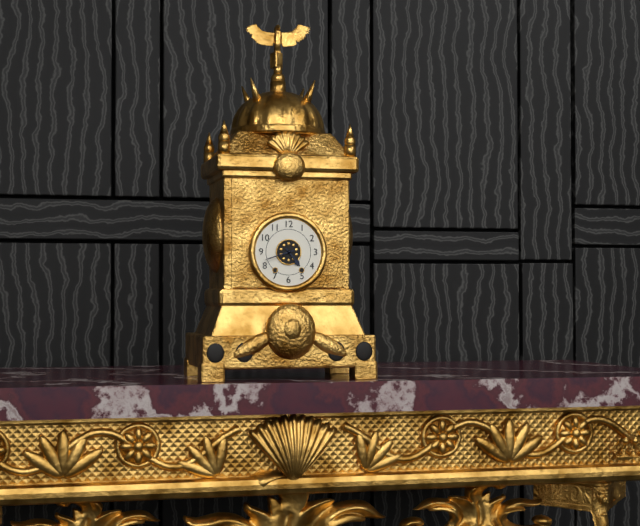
4:42
